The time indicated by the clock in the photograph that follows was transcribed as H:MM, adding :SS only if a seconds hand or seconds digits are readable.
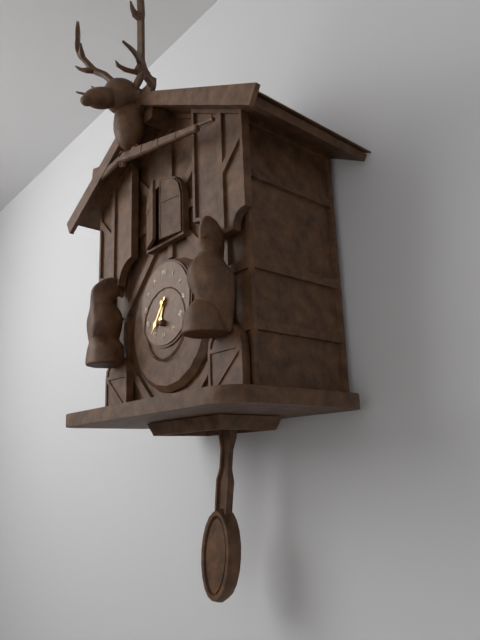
6:36
